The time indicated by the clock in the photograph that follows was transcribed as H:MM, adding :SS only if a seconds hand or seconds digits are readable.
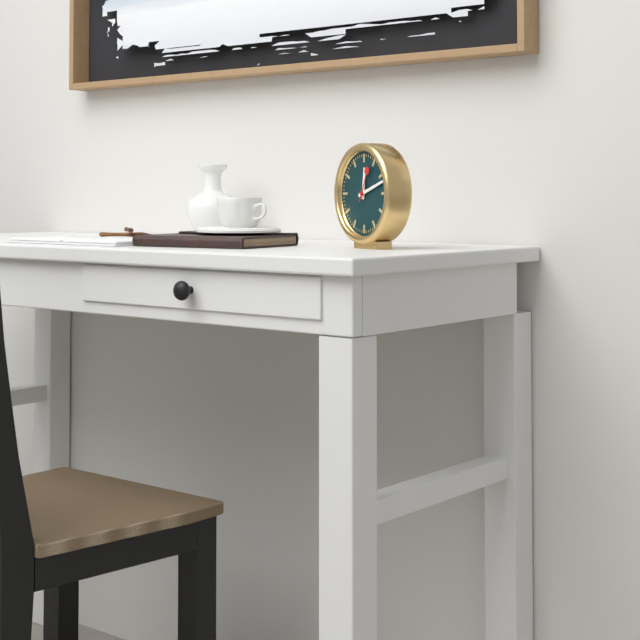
12:12
